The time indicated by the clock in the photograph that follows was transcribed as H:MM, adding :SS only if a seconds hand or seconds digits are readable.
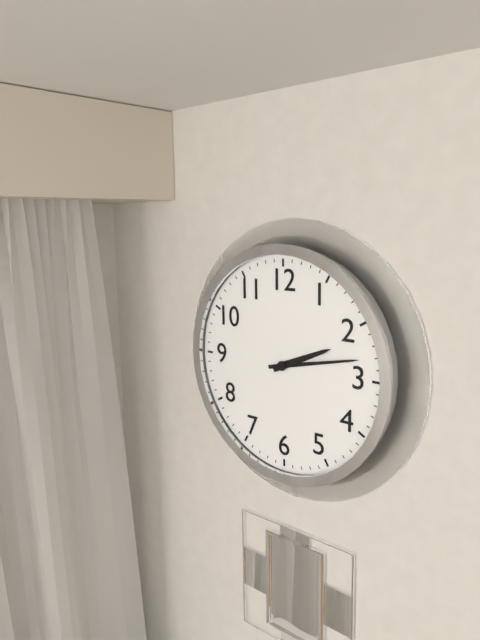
2:13
